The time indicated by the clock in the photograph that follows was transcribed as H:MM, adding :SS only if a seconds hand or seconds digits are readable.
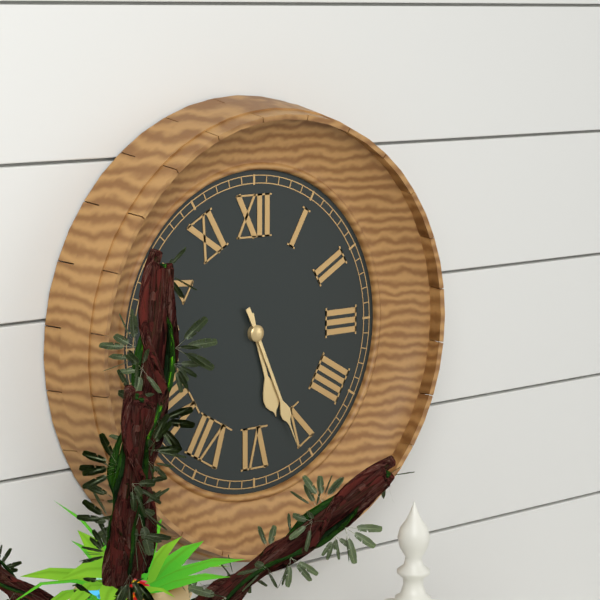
5:26
